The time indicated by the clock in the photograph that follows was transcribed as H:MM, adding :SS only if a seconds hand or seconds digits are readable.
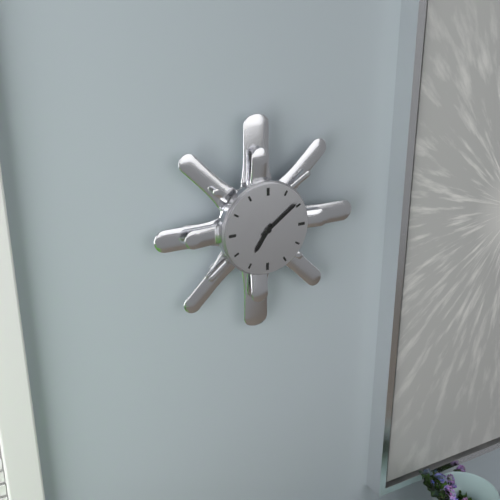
7:09
